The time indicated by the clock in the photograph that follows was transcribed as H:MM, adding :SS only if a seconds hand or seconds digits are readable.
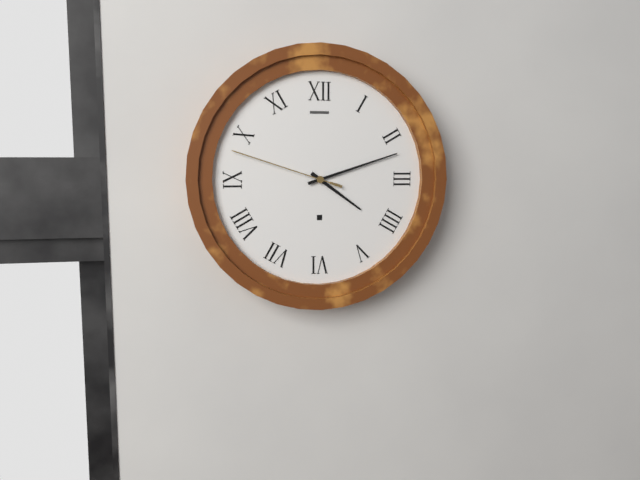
4:12:48
